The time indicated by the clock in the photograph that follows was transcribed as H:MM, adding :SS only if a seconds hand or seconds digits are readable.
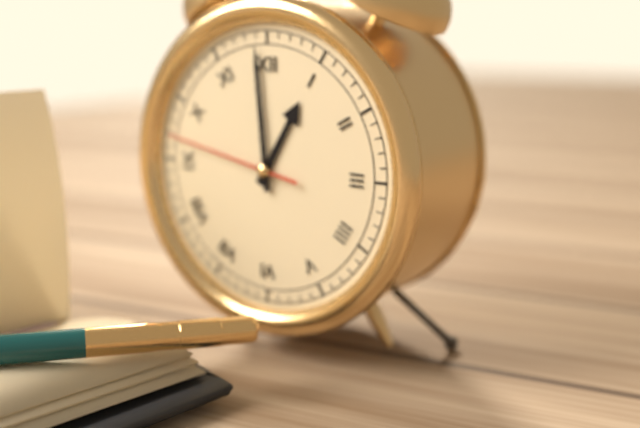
12:59:47
